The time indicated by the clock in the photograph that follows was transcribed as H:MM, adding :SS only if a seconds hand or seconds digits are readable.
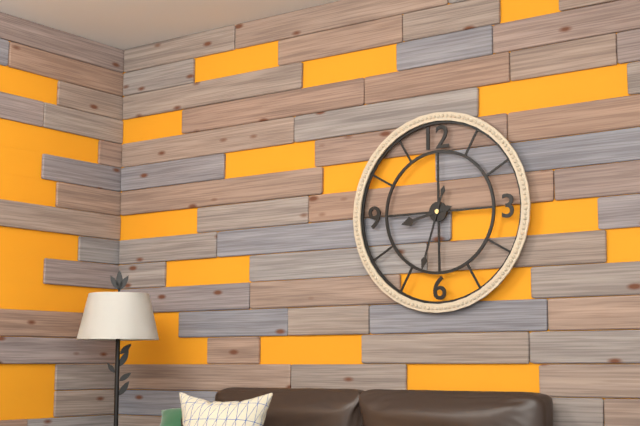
8:33
